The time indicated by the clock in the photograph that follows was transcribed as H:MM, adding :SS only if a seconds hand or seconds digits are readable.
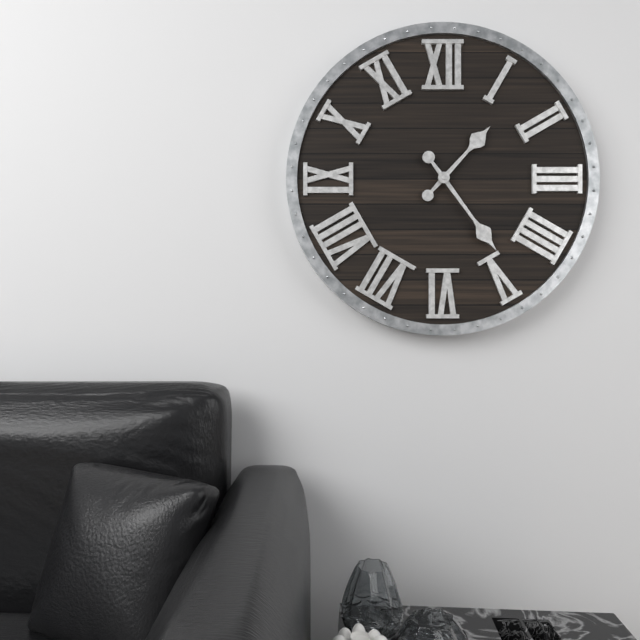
1:24
